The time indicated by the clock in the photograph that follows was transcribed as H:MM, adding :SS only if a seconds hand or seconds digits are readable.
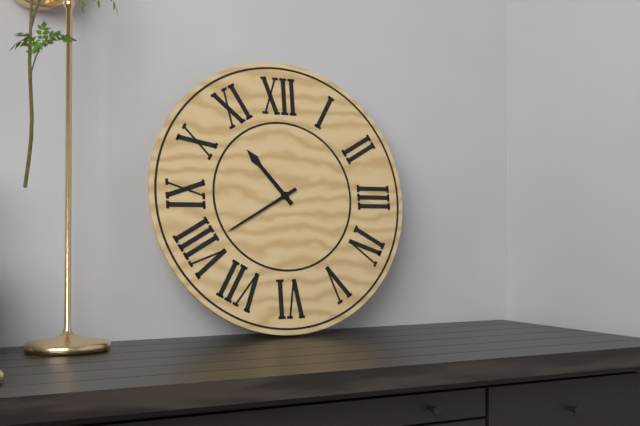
10:40
